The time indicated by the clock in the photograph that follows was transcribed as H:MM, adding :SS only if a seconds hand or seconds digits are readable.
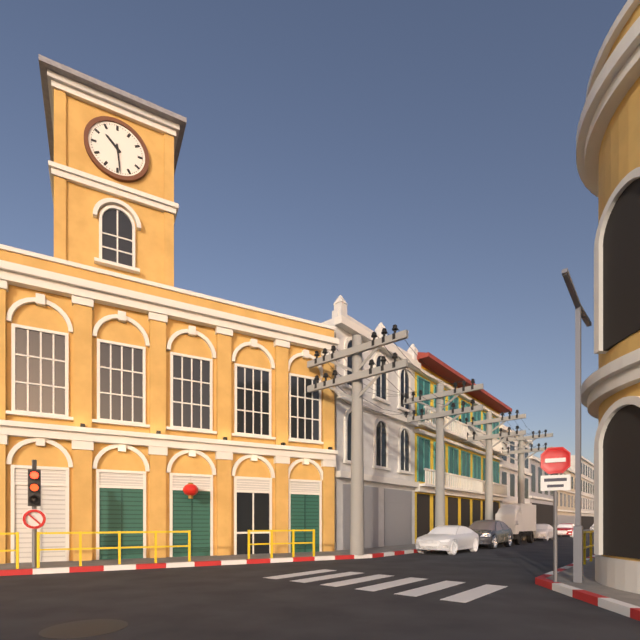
10:29
